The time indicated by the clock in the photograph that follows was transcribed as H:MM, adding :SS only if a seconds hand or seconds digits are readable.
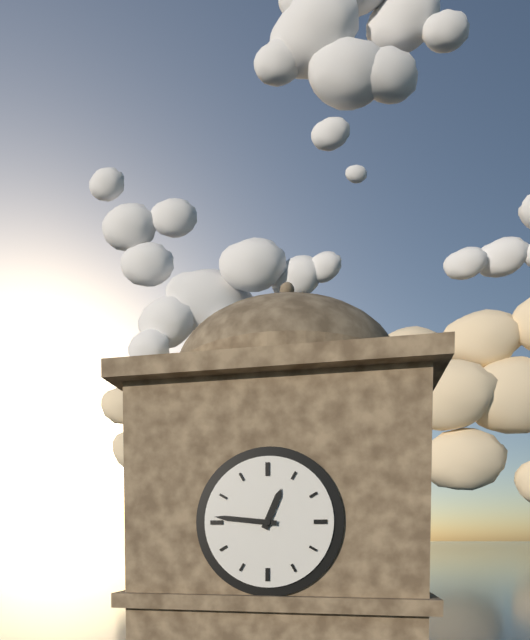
12:46
